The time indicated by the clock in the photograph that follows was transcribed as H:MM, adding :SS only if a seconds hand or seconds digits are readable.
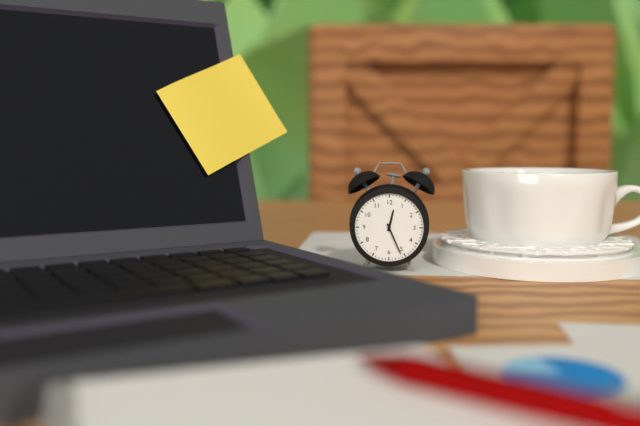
12:26
